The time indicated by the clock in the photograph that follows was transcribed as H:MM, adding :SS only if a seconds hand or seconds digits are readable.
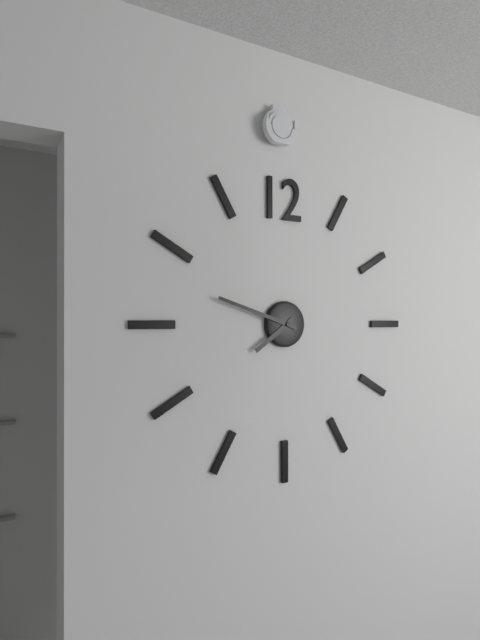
7:48
